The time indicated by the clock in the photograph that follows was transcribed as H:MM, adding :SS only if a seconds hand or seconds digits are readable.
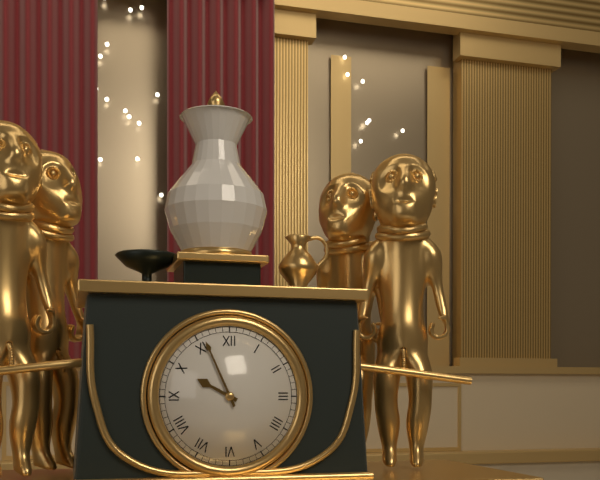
9:56
